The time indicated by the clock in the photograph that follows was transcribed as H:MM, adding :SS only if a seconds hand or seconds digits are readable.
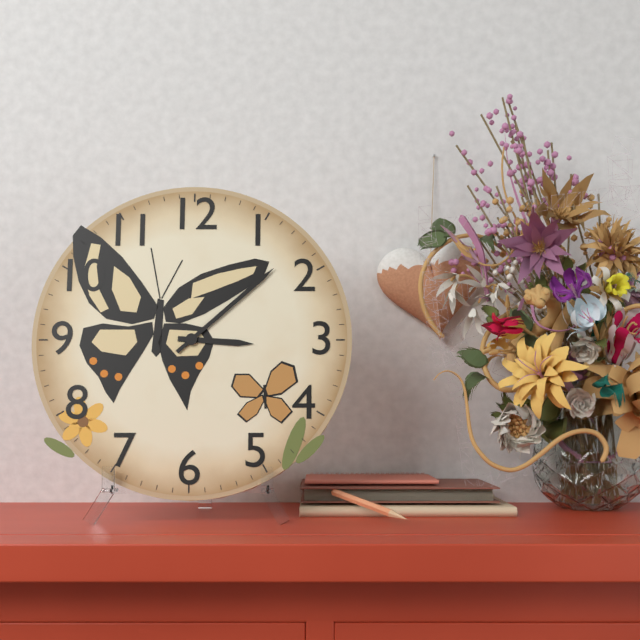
3:08
